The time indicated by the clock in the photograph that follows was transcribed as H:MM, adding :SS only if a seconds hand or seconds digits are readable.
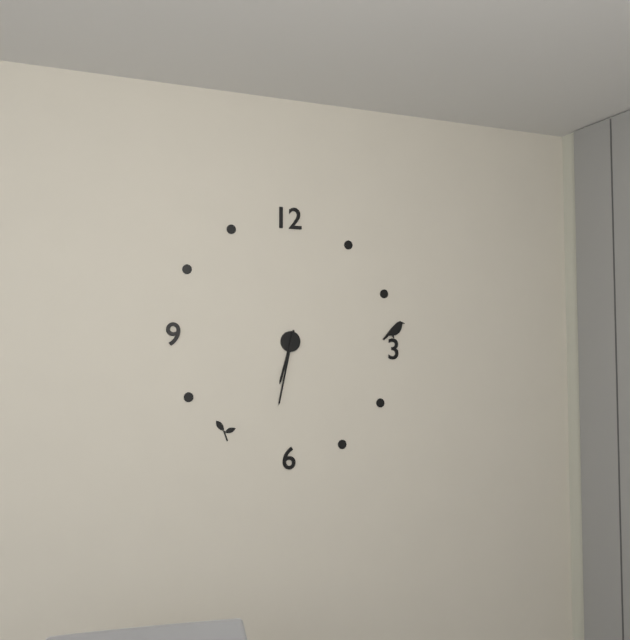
6:32
